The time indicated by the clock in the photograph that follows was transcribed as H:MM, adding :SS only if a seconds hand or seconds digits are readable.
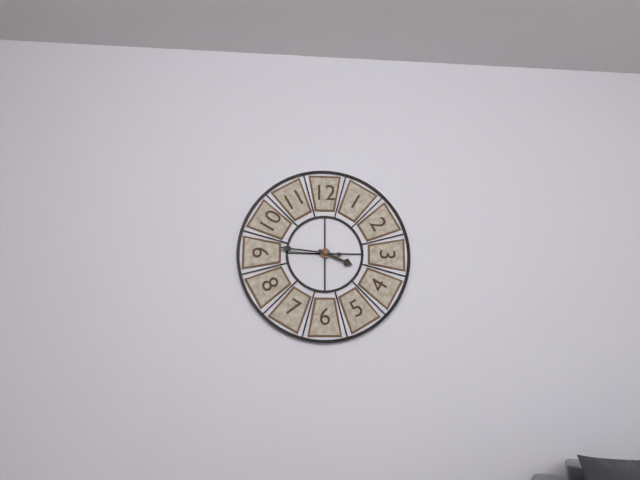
3:46
